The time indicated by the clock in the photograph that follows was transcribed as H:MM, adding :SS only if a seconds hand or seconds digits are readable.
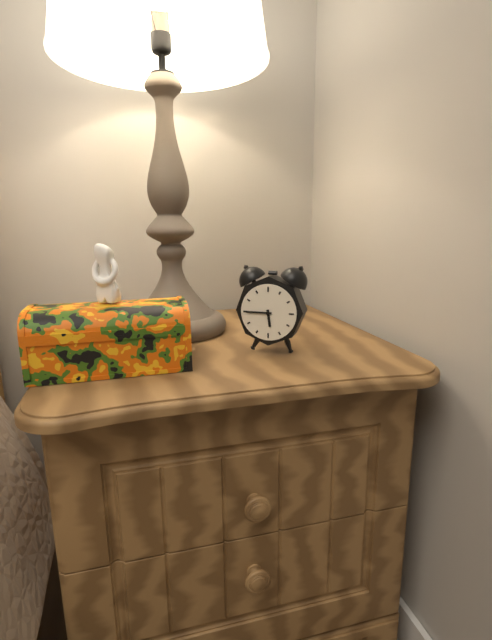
5:45
